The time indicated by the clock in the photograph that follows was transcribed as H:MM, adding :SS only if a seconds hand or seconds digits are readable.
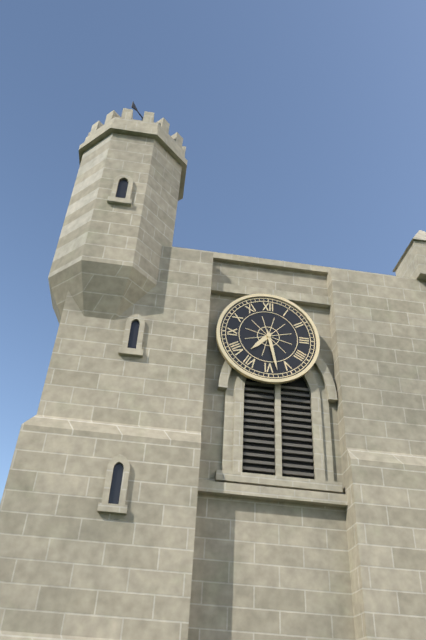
7:28
